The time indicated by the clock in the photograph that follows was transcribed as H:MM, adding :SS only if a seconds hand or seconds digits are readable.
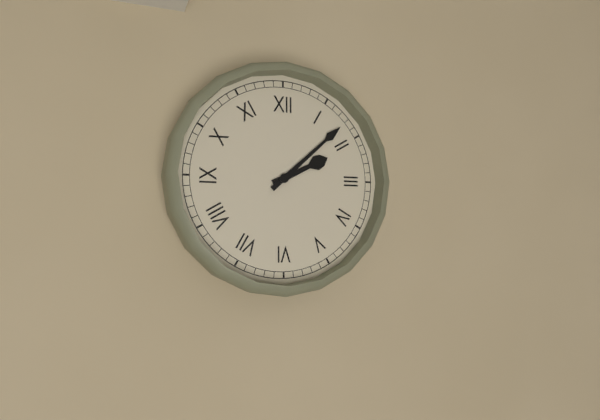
2:08
